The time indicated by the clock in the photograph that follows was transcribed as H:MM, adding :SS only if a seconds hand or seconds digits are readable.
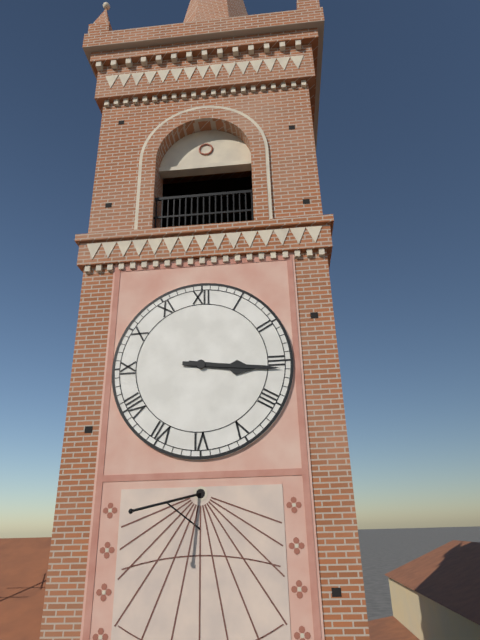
3:16
